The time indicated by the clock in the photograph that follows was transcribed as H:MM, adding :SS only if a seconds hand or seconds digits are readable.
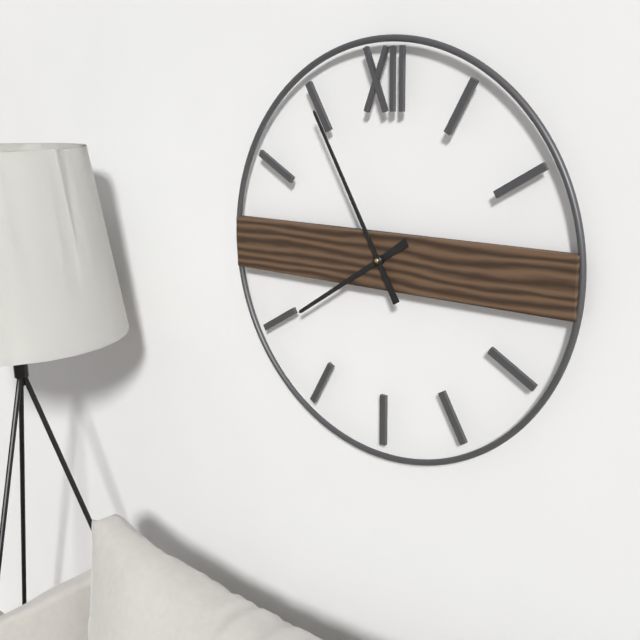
7:55
